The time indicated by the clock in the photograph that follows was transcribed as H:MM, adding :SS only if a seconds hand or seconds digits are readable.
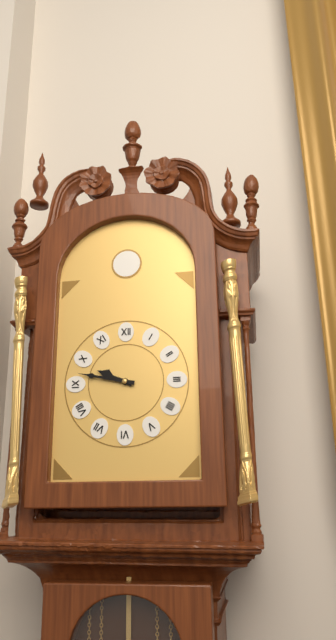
9:47
